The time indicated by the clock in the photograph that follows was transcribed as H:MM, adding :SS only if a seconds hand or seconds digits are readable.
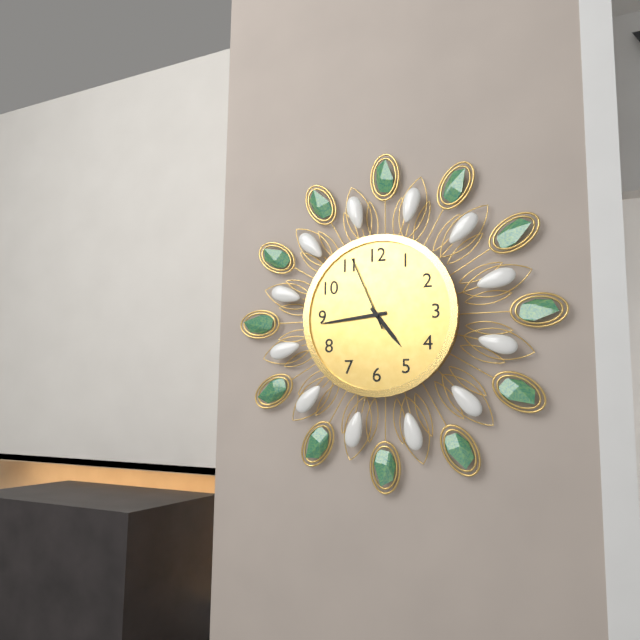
4:44:56
